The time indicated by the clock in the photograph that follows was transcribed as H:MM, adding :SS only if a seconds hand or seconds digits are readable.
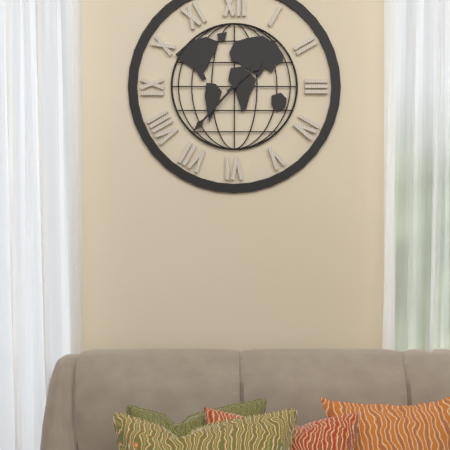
1:37
